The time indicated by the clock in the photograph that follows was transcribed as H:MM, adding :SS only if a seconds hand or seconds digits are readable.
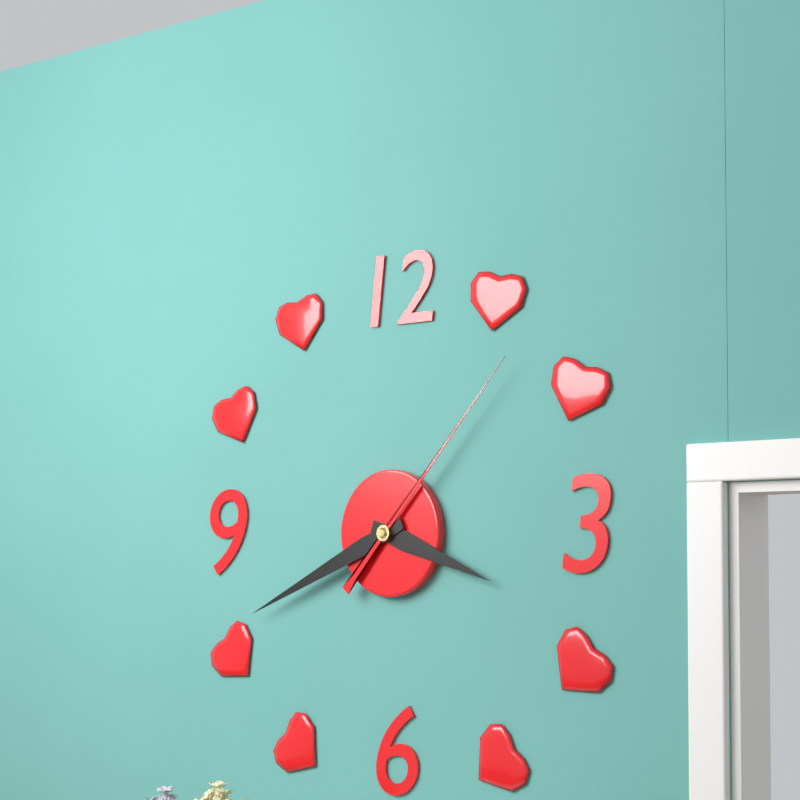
3:41:07
